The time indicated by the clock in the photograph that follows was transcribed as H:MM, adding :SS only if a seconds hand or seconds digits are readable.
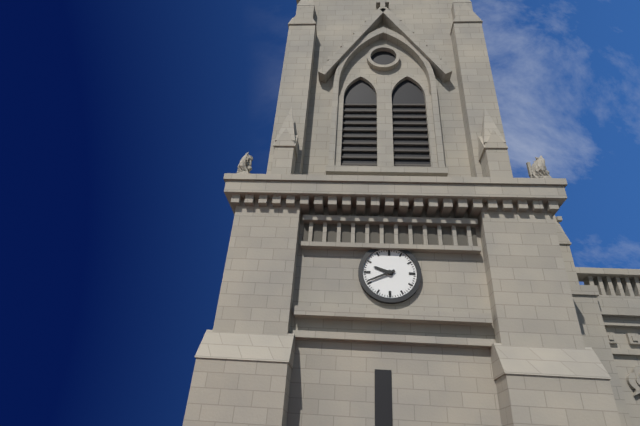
9:41
